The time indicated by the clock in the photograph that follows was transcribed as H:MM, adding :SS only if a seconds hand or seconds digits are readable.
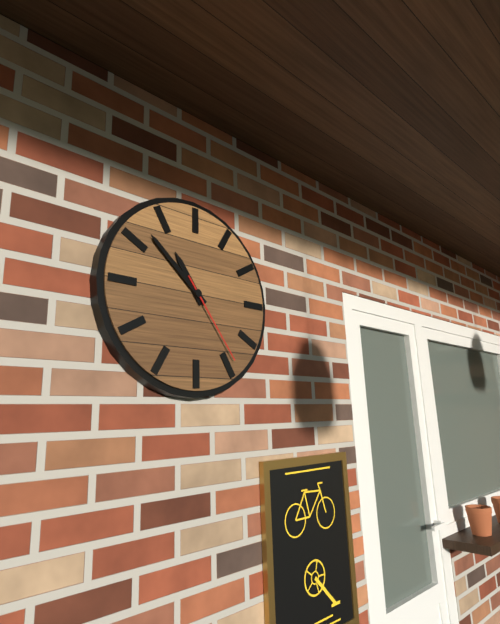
10:52:24
